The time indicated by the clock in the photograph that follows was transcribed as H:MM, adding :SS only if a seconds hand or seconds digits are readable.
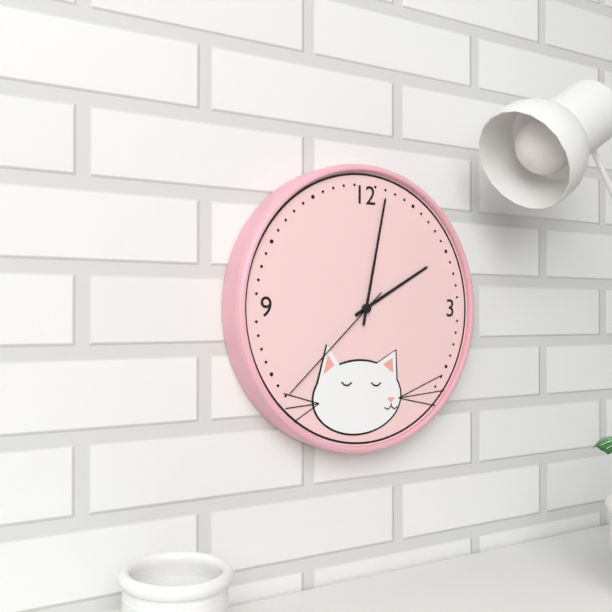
2:02:38
